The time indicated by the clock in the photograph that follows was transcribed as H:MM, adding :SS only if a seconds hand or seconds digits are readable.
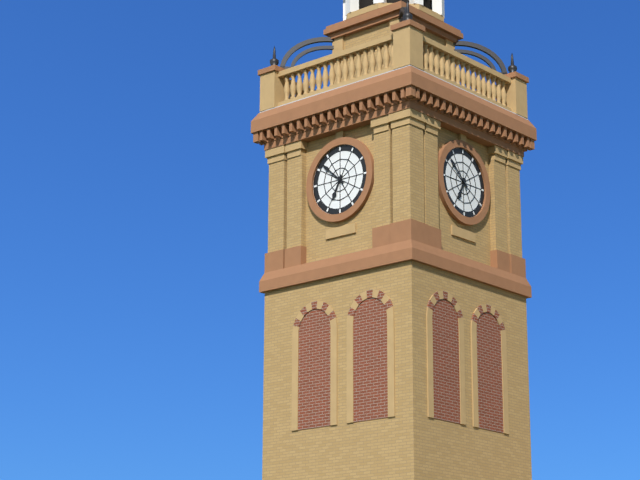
6:52
